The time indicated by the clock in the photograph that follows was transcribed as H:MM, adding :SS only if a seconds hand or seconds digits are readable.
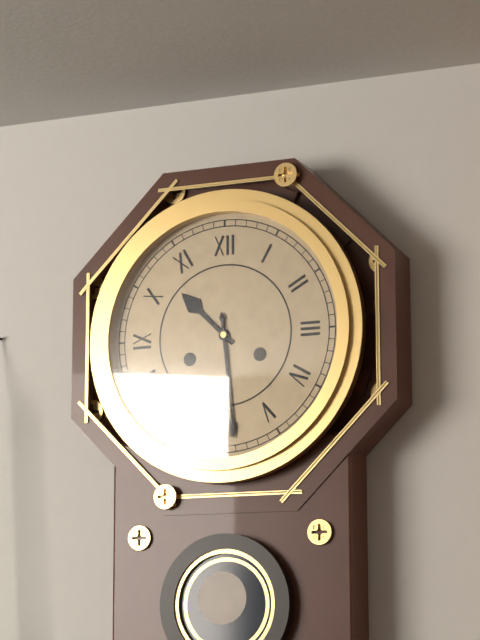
10:29
